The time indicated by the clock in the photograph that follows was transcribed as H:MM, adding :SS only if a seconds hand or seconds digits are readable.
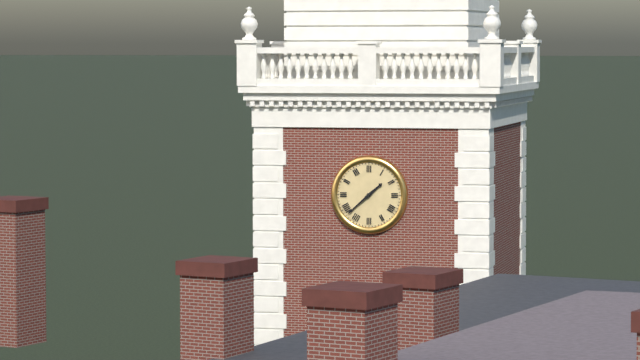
1:38
